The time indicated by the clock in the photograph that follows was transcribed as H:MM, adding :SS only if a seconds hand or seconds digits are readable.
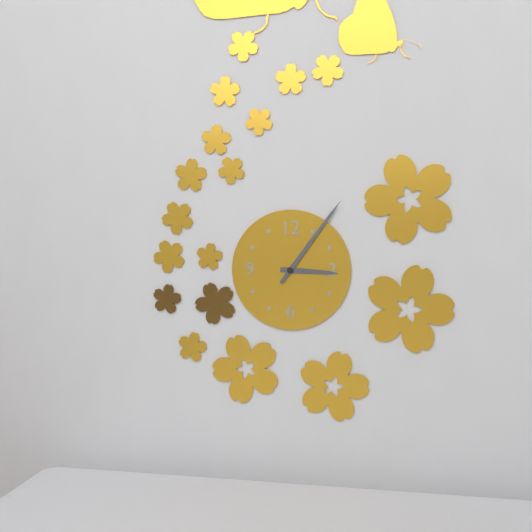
3:06
